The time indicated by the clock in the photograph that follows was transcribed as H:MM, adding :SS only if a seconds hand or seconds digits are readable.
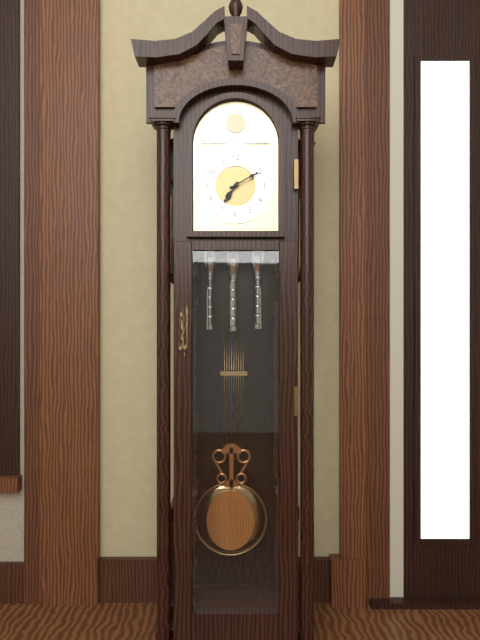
7:10
